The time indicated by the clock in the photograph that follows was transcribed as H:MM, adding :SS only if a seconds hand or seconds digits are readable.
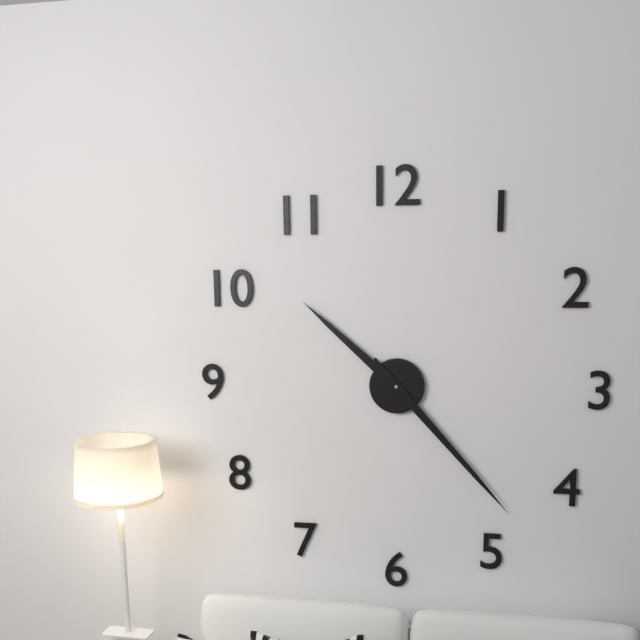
10:23
